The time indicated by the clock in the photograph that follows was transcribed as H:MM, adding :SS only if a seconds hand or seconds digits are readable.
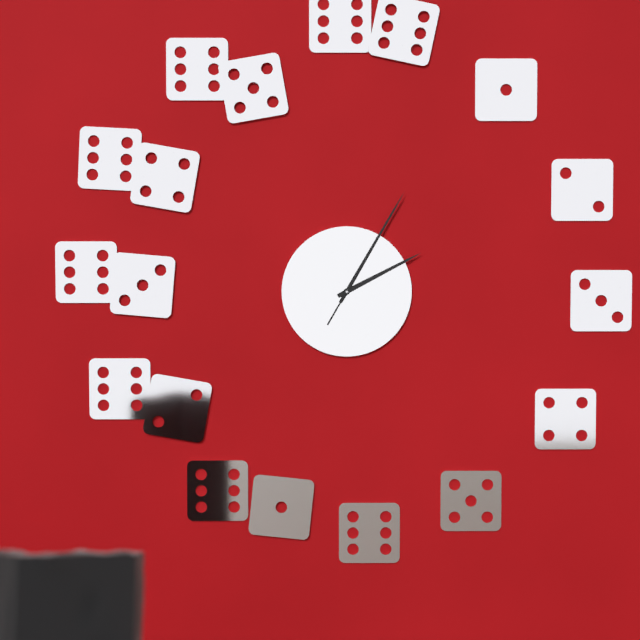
2:05:05
